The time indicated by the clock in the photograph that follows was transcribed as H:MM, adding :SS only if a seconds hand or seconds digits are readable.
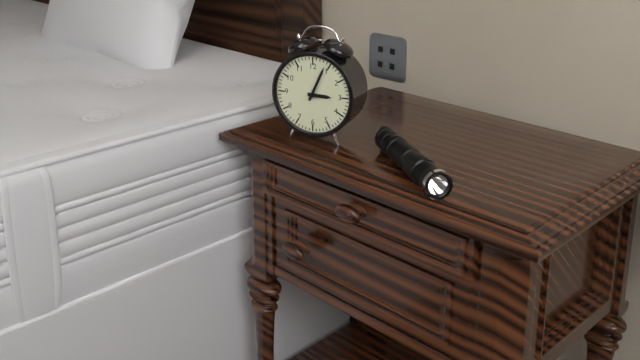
3:04
